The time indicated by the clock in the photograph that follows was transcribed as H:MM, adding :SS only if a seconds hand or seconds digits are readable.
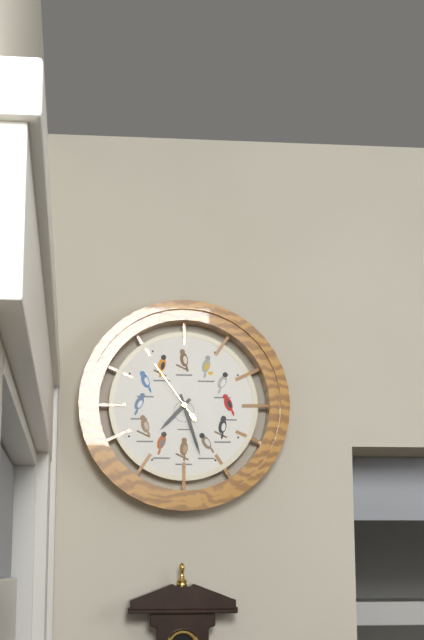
7:27:54
